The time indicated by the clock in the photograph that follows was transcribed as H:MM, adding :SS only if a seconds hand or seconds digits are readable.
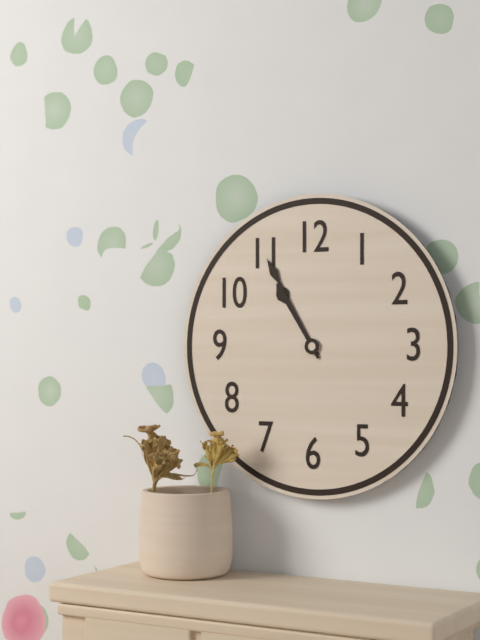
10:55
